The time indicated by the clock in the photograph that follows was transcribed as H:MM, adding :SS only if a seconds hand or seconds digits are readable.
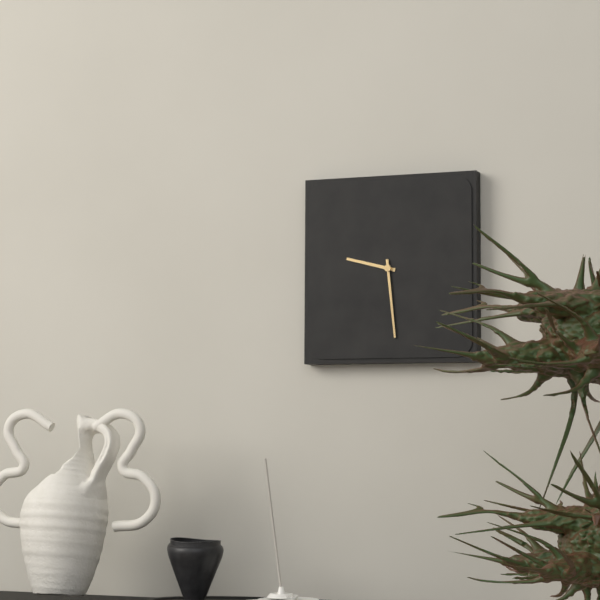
9:29
